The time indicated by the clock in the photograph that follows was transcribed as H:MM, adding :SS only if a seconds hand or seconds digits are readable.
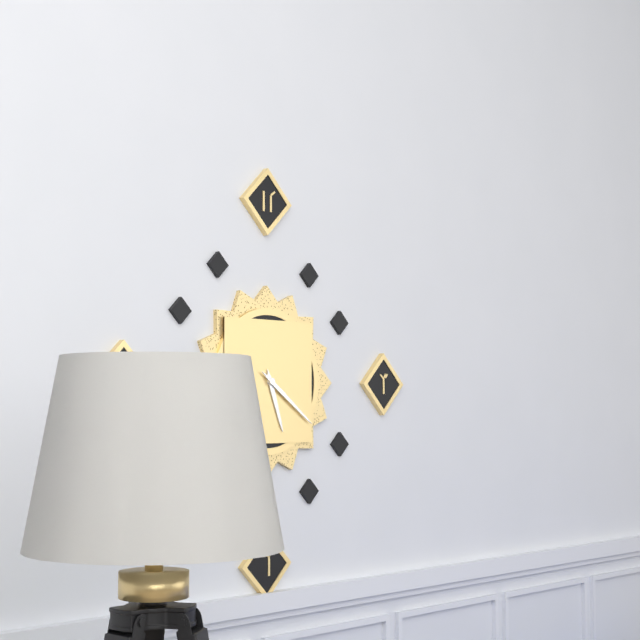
5:21
